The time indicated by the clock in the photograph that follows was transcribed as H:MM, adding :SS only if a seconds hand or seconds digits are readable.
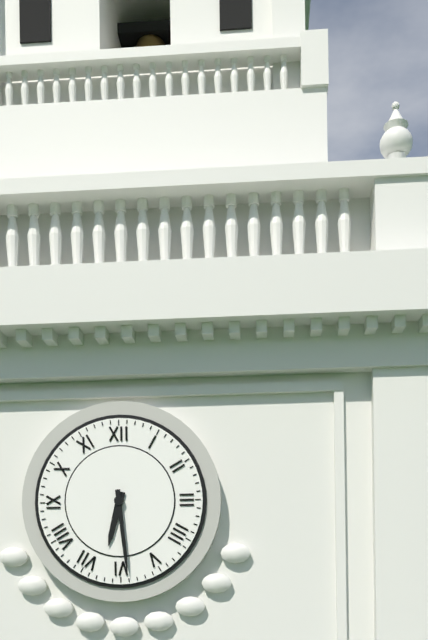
6:29
